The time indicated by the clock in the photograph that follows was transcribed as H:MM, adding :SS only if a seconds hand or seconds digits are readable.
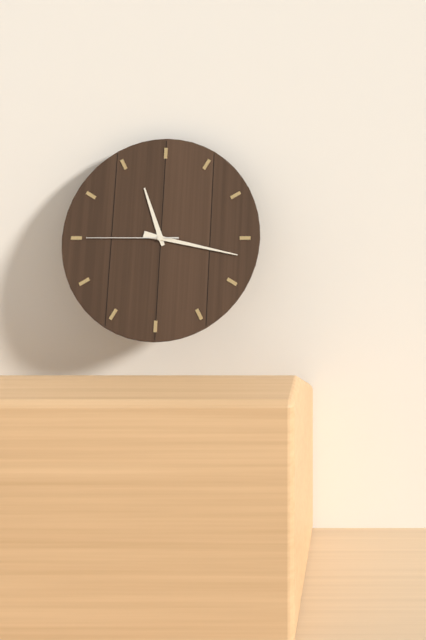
11:17:45
